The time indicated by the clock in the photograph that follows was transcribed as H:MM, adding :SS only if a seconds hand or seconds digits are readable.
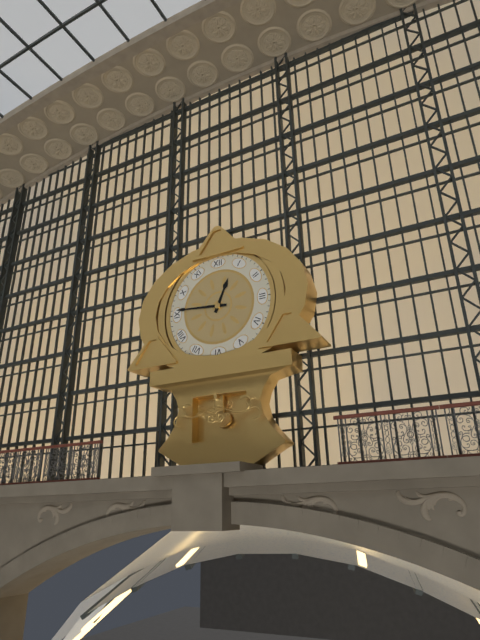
12:46
